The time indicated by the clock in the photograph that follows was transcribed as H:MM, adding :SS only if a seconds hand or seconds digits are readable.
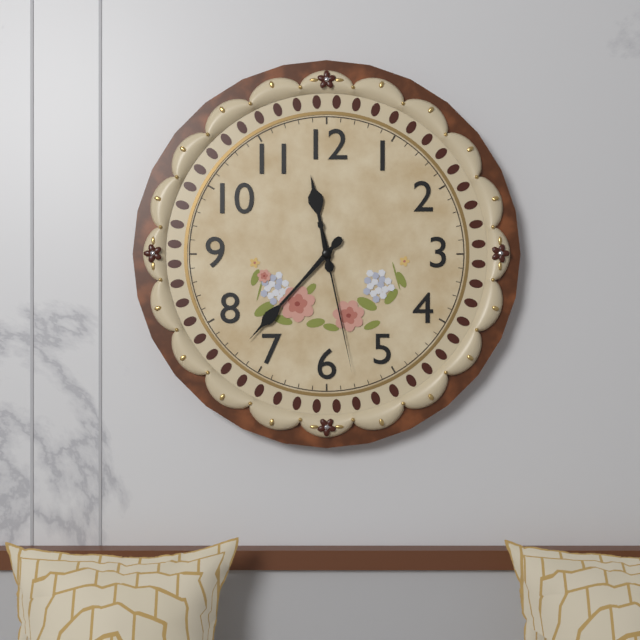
11:37:28
